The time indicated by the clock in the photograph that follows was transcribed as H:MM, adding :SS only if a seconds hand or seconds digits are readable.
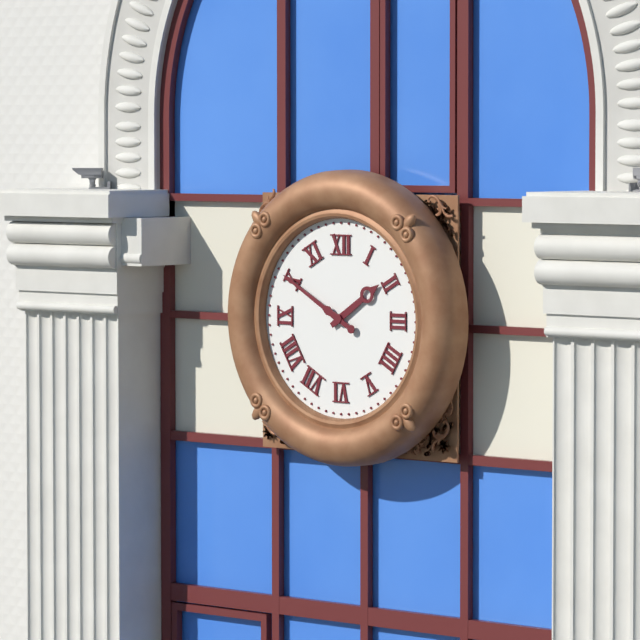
1:50
